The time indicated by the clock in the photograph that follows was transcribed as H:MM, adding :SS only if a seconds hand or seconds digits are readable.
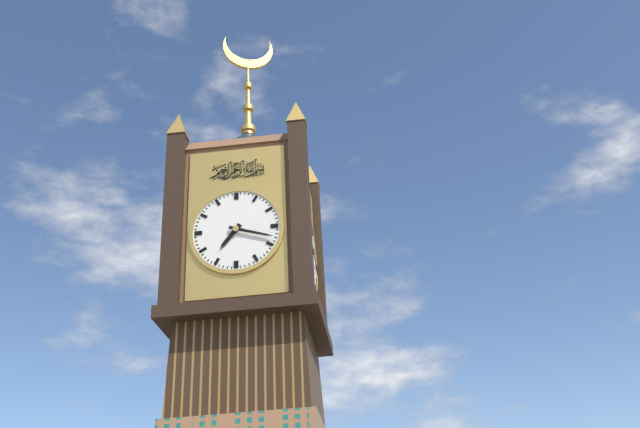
7:18
